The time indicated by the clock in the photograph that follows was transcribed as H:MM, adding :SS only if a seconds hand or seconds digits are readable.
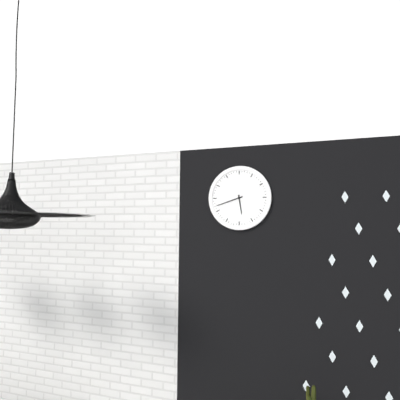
5:42
